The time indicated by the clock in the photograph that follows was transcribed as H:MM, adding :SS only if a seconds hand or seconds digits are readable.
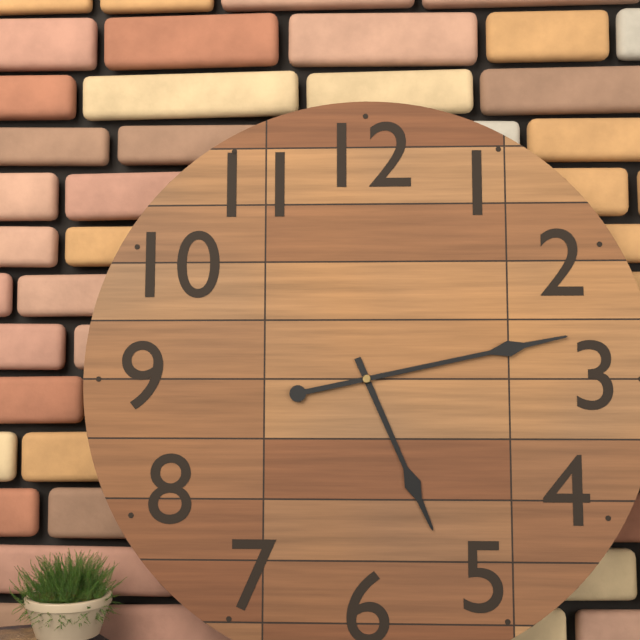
5:13
